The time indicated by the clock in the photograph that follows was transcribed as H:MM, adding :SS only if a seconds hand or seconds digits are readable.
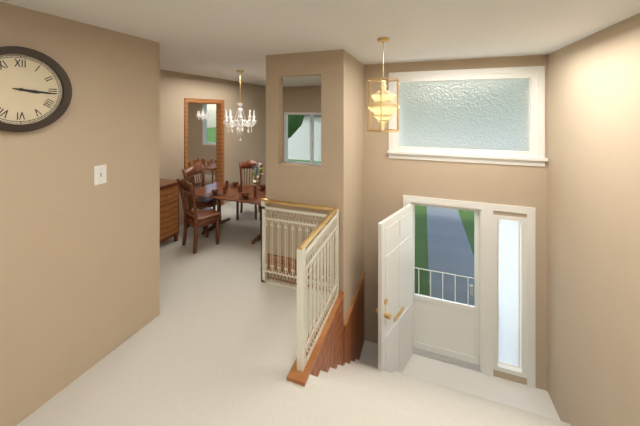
3:16
